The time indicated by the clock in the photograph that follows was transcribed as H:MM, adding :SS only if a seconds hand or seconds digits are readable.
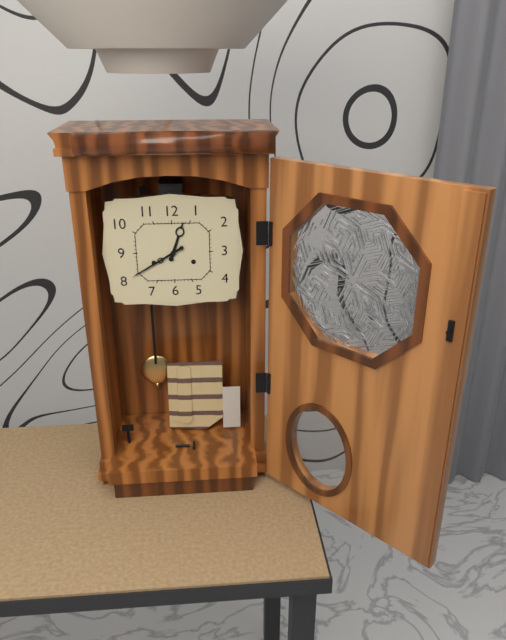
12:40
